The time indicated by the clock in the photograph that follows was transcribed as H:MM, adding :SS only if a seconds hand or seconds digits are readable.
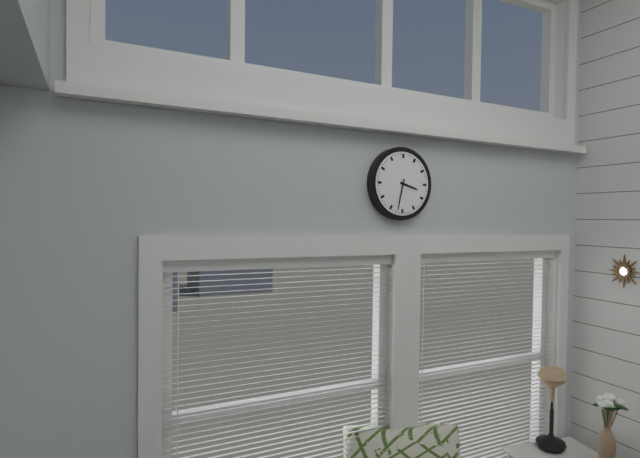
3:32
